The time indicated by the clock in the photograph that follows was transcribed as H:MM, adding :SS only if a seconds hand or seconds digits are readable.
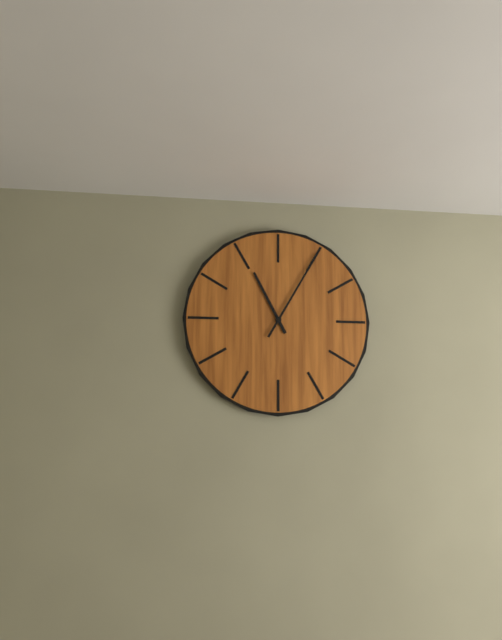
11:05
